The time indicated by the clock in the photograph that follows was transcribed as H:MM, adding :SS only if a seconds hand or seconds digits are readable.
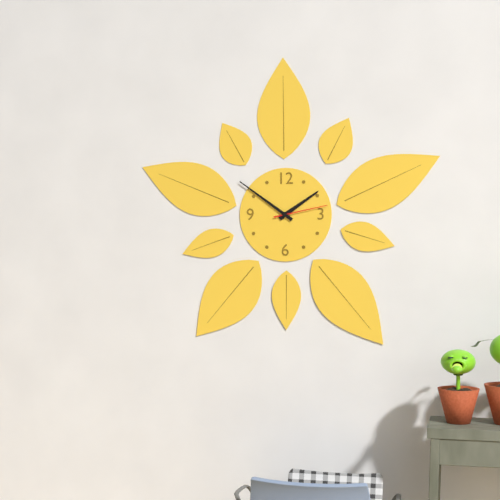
1:51:13
